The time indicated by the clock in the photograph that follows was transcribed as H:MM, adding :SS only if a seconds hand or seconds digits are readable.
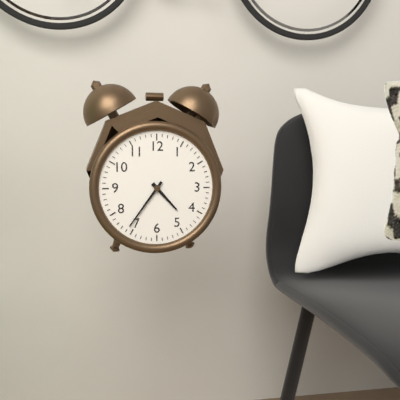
4:36
